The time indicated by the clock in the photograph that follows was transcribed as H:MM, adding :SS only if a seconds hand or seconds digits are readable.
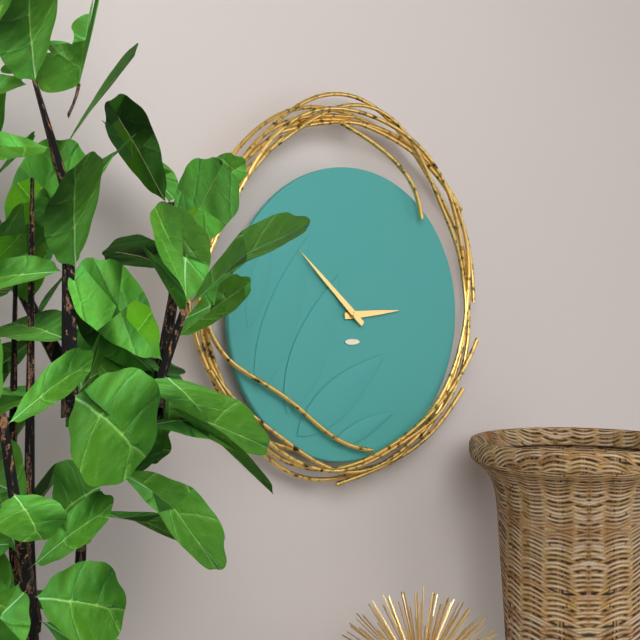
2:52
